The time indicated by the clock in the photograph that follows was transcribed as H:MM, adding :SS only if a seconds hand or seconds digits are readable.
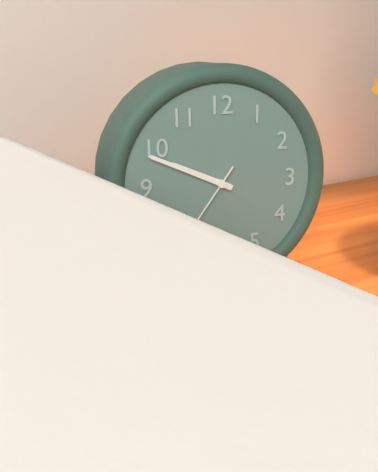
9:49
